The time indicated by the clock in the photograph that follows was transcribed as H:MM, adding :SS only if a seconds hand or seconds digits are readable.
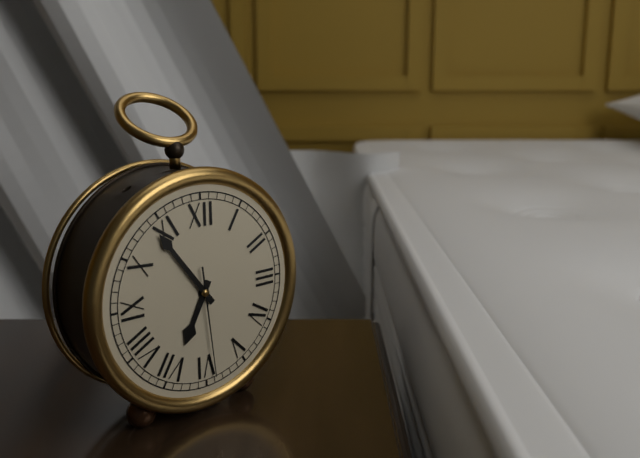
6:54:29
